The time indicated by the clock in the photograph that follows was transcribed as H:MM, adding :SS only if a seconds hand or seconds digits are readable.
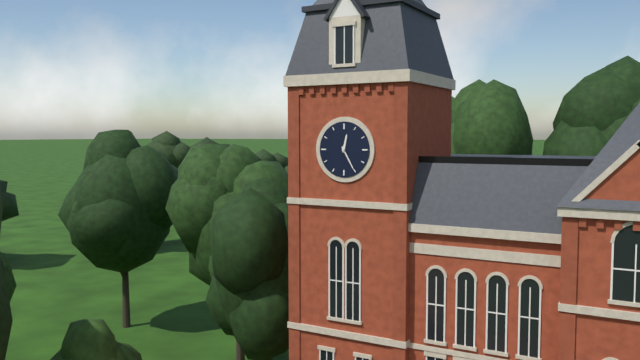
12:25
